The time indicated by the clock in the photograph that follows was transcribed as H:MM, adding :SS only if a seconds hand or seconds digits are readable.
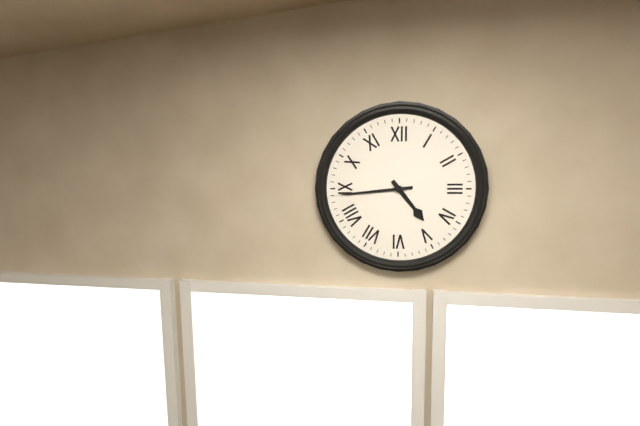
4:44
